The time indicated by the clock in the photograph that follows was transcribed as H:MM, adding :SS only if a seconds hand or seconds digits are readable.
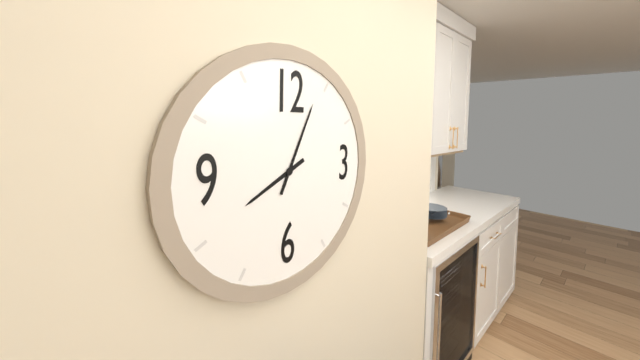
8:04
